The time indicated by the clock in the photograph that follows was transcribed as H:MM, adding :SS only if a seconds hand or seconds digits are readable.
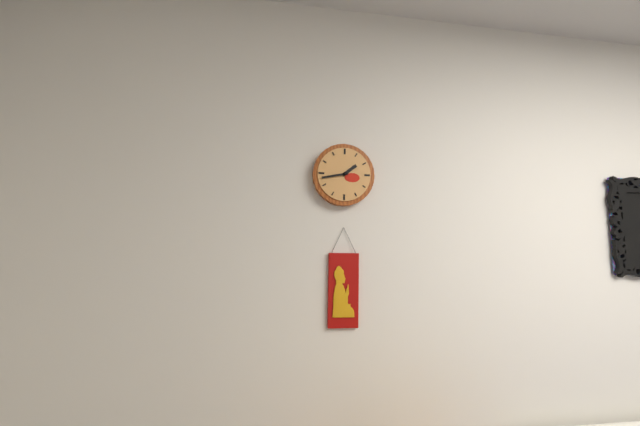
1:43
